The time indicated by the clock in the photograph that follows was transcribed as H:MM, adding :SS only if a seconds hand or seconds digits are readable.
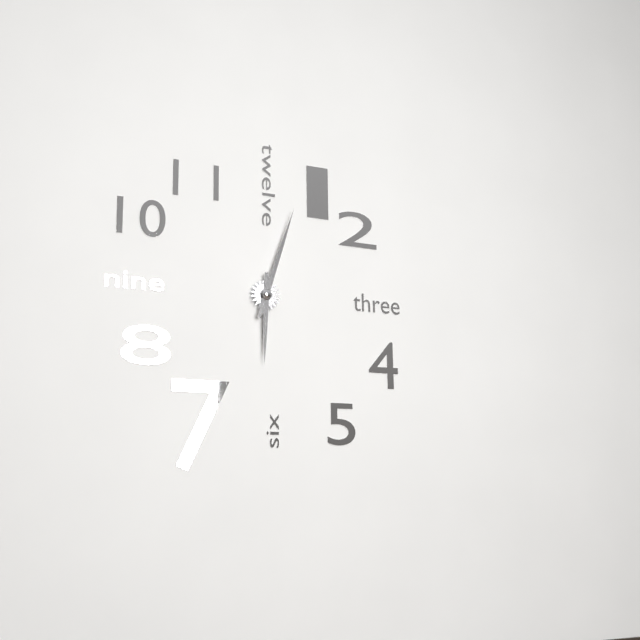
6:03
